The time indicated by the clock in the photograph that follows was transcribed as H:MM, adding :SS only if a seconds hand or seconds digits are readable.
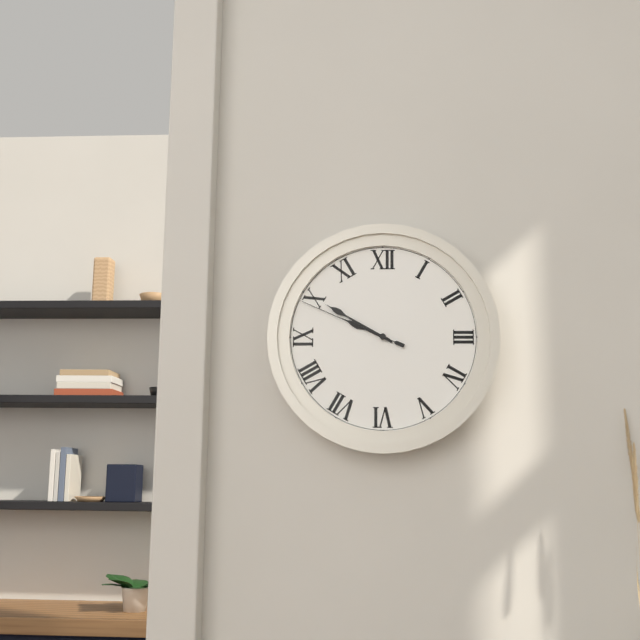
9:50:49
